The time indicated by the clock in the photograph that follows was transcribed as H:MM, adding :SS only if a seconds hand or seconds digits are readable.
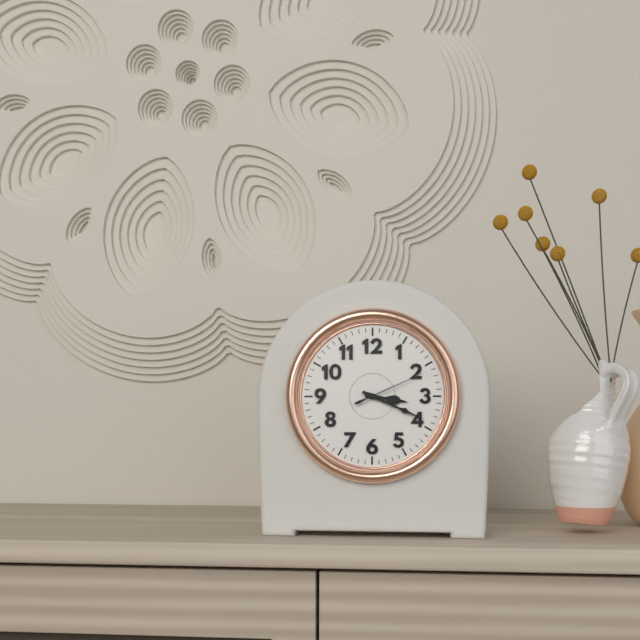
3:19:11
